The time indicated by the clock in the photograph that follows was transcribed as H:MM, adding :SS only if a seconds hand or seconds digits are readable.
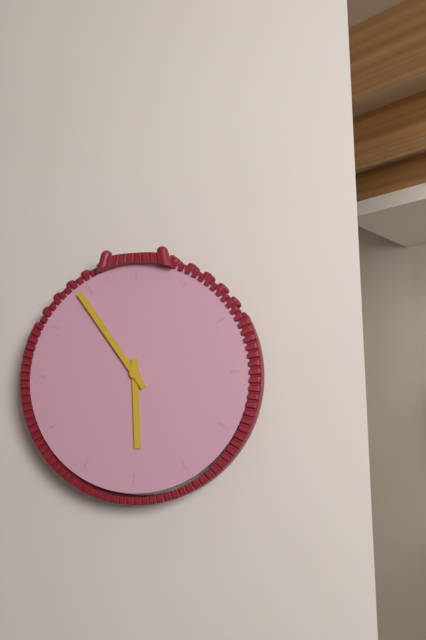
5:54
